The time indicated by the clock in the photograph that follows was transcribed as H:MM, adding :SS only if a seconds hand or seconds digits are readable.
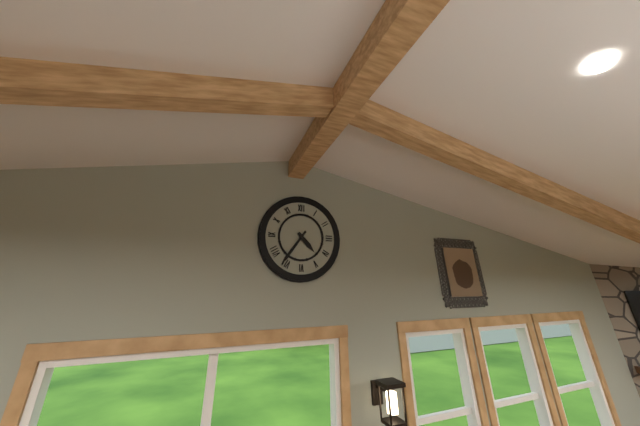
4:36
